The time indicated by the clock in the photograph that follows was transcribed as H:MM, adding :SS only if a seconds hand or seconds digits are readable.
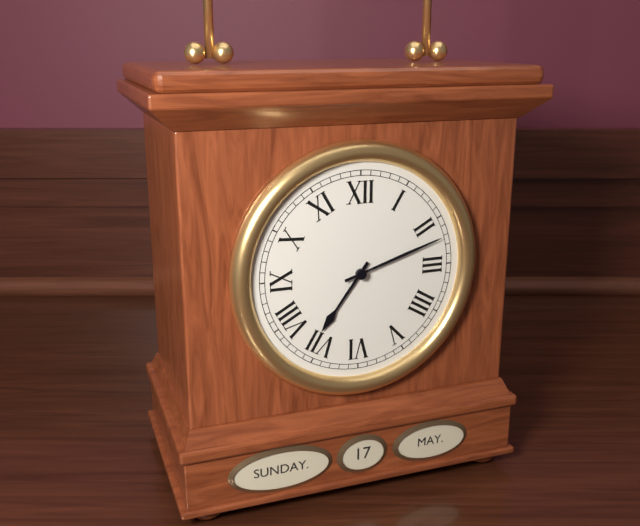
7:12
